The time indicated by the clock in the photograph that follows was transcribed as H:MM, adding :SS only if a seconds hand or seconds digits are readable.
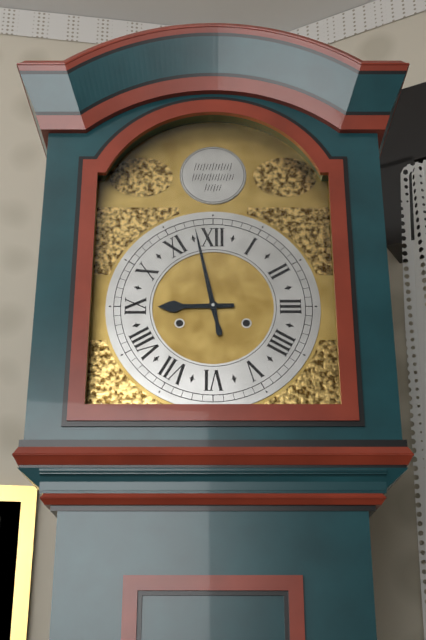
8:58
